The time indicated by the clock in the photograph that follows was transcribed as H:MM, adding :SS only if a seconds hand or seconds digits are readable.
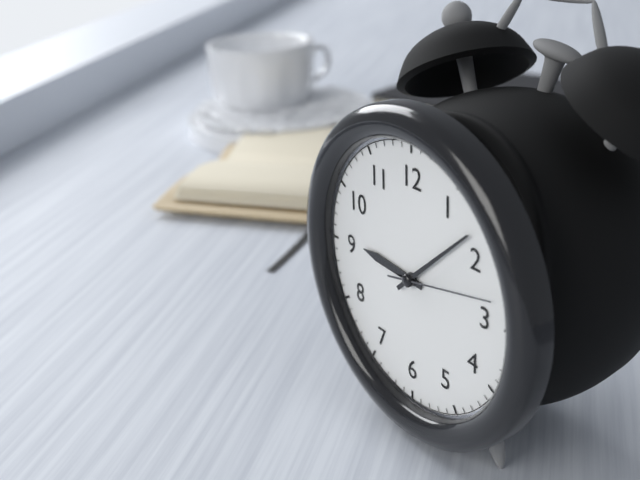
9:08:13
